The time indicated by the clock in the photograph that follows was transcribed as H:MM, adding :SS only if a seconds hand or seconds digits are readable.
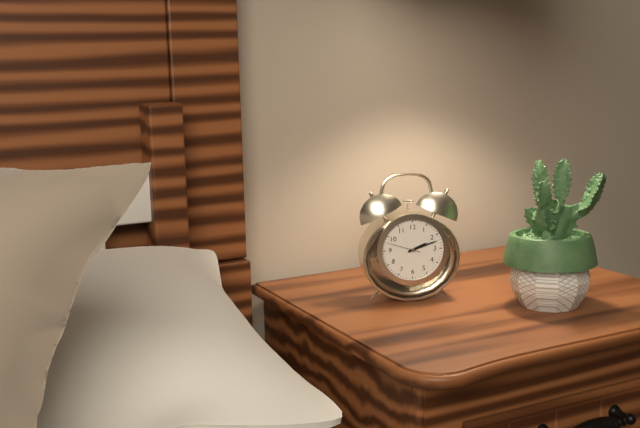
2:12
